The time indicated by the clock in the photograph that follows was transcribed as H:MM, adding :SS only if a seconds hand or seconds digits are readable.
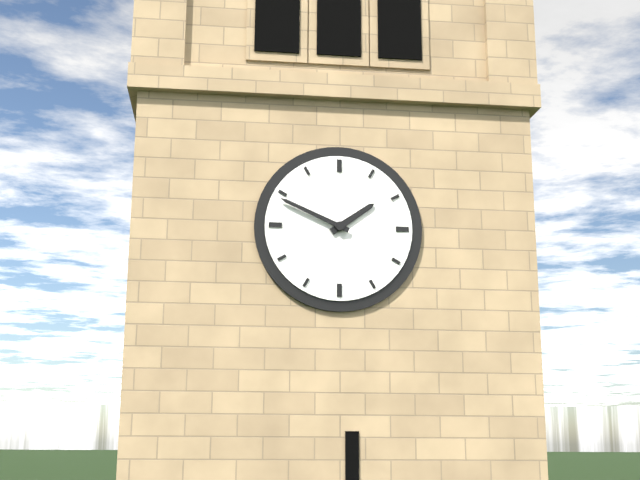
1:49
